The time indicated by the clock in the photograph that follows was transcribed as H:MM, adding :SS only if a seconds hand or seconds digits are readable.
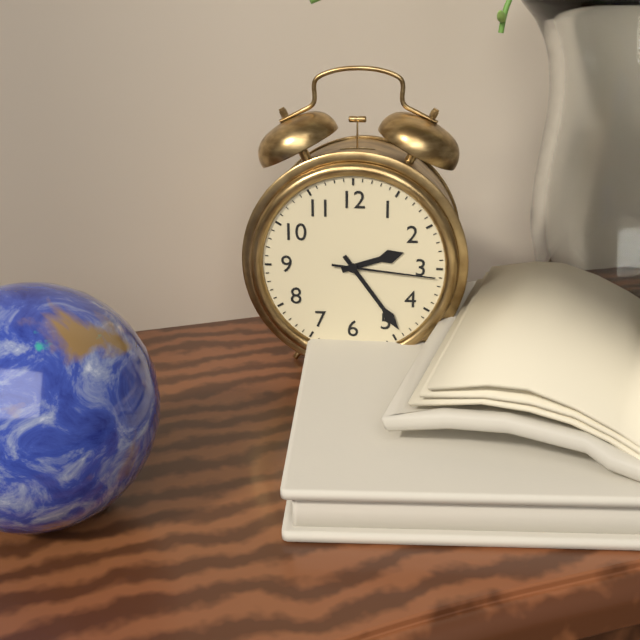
2:24:16
